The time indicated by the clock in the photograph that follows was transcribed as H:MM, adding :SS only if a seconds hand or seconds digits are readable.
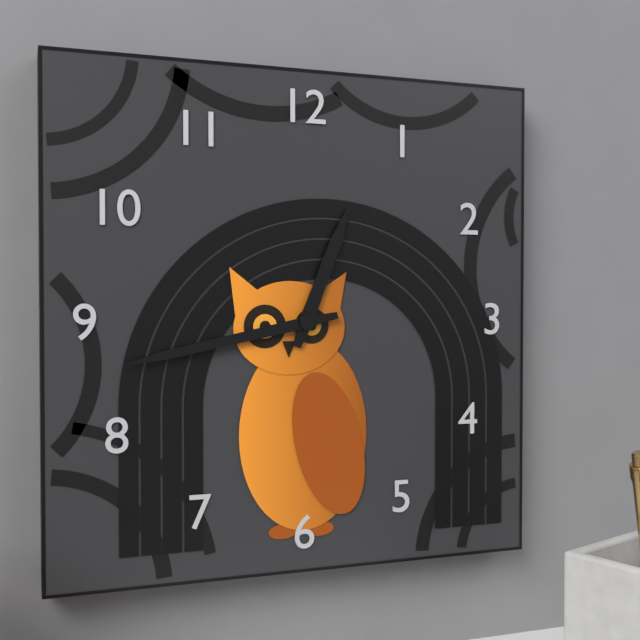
12:43
